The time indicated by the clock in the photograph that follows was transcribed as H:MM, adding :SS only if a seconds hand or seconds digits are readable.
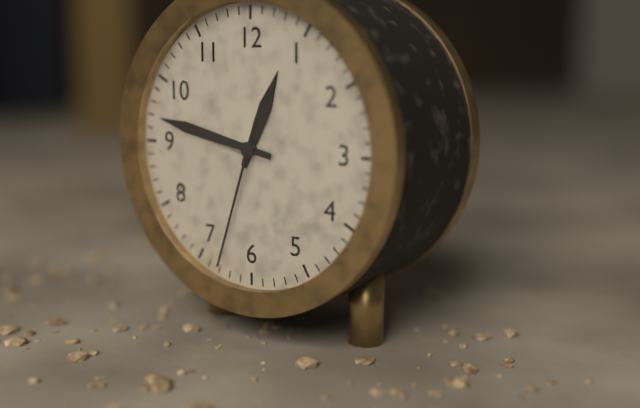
12:47:33
